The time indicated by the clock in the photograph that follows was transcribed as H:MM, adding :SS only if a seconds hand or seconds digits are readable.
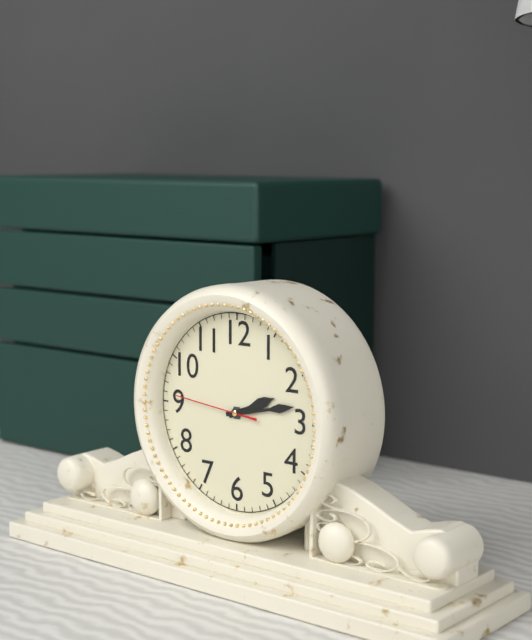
2:13:46
